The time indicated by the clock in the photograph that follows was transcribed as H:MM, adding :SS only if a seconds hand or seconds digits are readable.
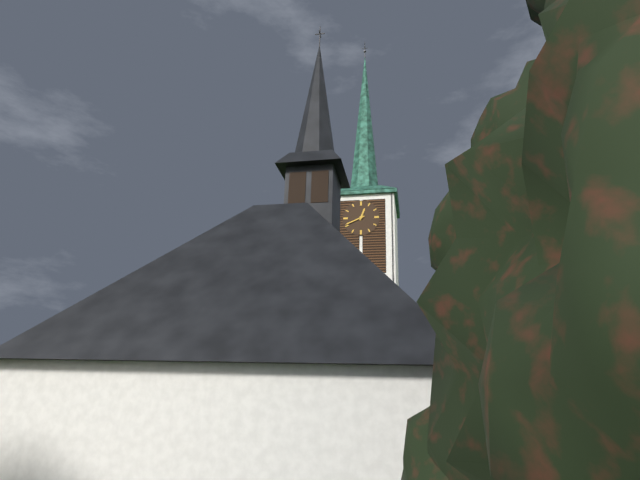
12:41
